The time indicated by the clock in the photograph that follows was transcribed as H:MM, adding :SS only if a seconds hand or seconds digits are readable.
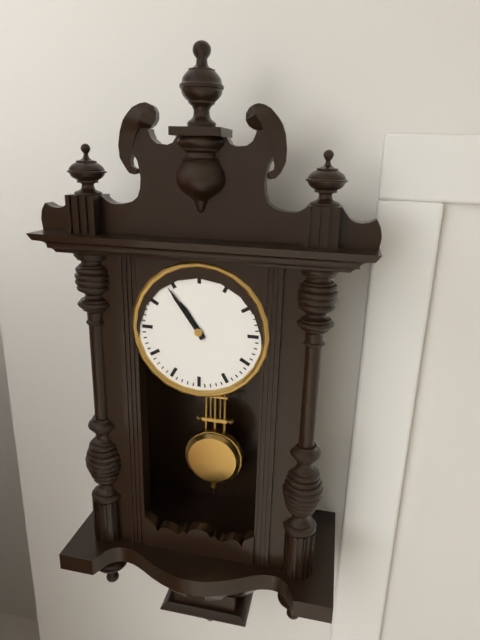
10:54
